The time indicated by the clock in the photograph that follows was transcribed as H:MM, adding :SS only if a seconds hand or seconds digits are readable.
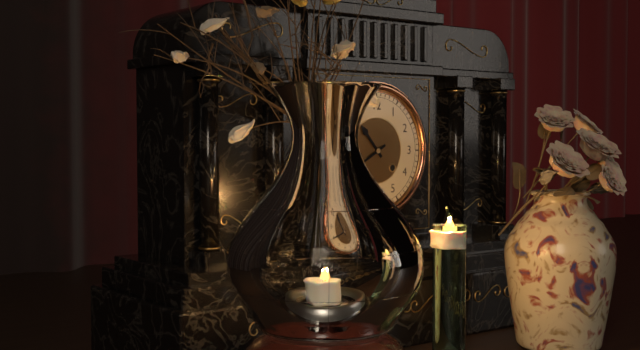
10:40
